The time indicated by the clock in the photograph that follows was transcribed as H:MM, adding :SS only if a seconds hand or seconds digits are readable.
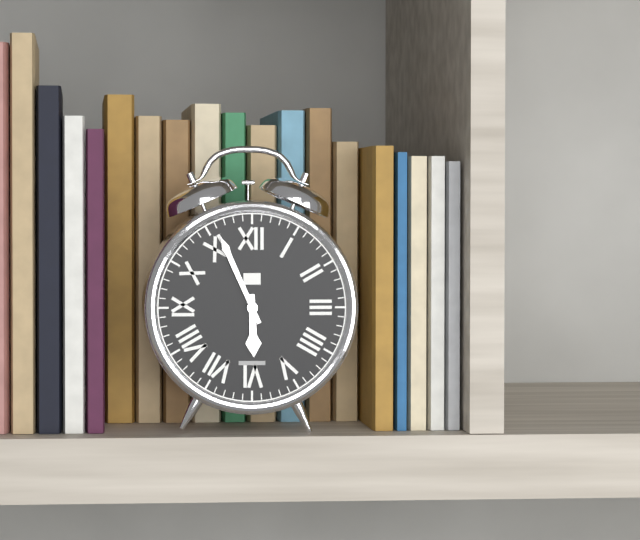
5:56
